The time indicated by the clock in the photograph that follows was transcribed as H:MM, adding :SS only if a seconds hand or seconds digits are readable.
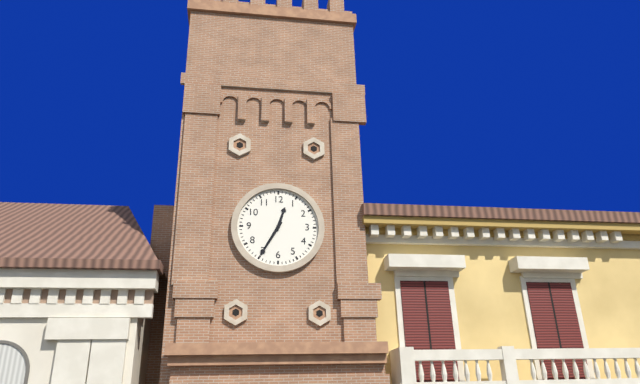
12:35
